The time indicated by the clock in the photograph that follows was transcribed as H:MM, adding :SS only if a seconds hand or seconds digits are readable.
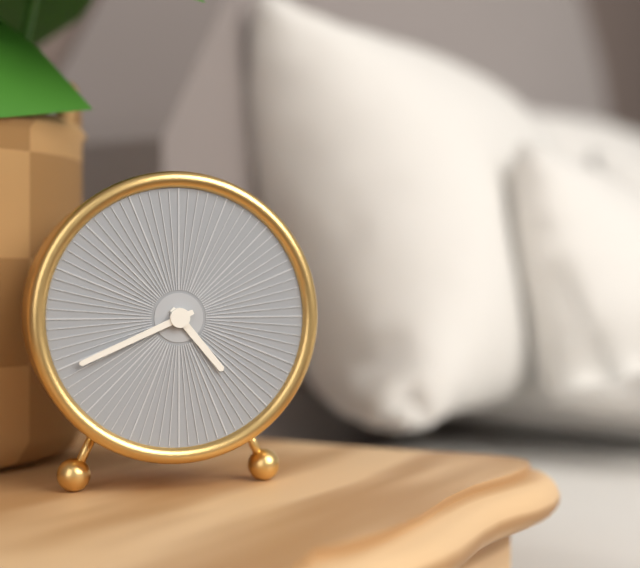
4:41
